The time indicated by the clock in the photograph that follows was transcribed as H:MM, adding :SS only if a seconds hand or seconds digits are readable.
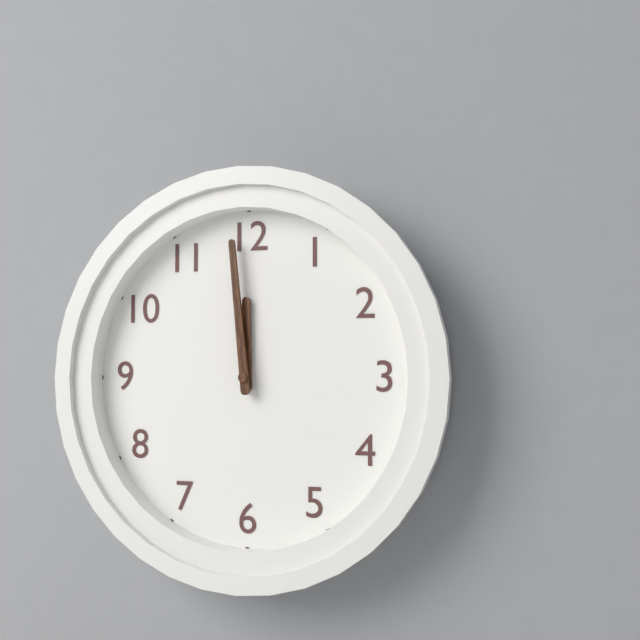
11:59
